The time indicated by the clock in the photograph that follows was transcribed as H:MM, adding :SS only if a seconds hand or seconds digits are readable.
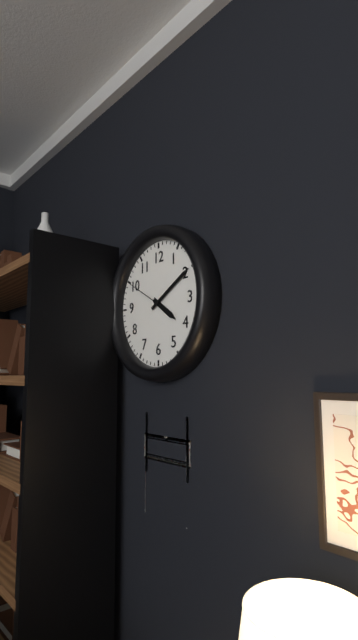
4:10:50
